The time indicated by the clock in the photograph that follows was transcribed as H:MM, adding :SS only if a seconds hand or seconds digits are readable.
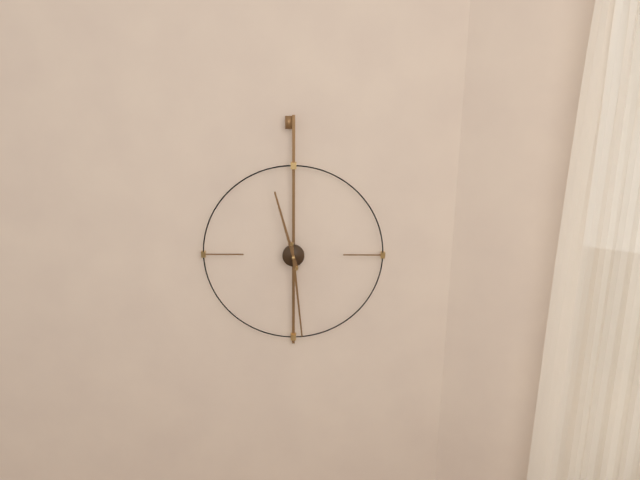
11:29
